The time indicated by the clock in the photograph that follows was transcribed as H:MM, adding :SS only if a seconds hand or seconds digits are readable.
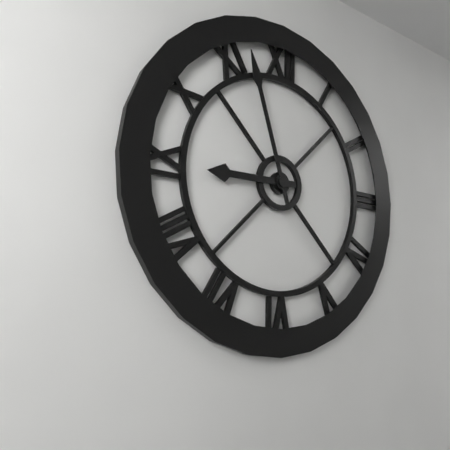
8:57
